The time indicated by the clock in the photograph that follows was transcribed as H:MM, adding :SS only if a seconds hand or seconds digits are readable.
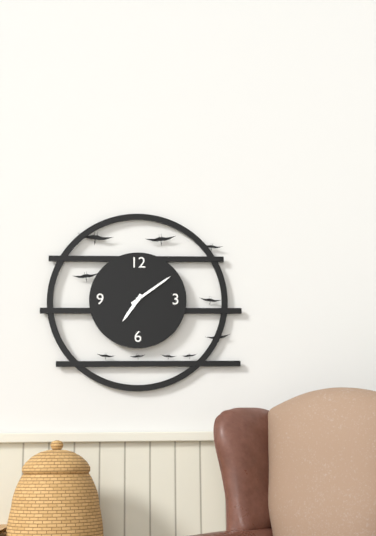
7:09
